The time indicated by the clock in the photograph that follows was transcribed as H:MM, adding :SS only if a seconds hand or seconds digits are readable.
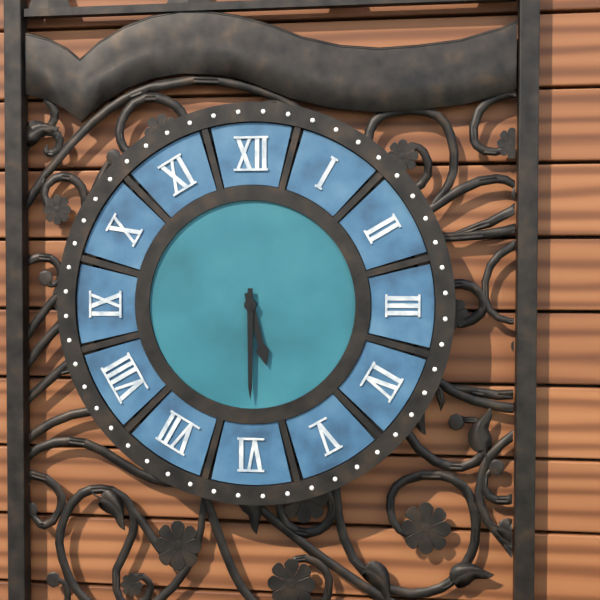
5:30
